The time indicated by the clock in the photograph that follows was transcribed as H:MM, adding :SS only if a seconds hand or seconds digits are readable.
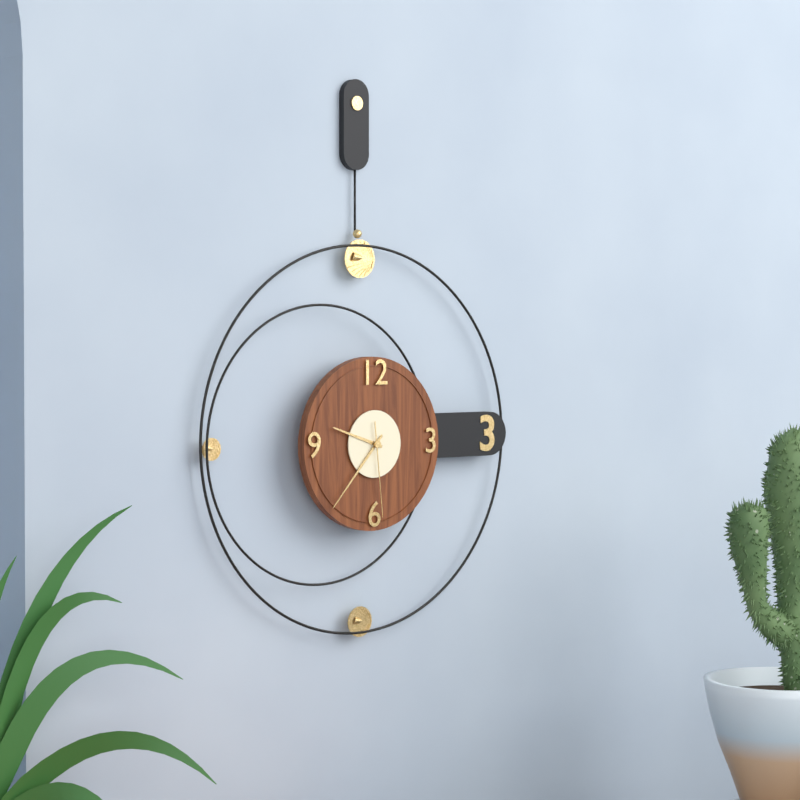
9:37:29
